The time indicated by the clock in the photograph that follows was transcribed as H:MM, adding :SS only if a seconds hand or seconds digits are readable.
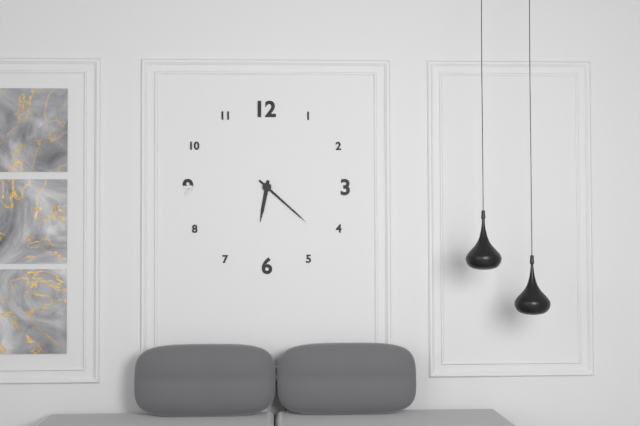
6:22
